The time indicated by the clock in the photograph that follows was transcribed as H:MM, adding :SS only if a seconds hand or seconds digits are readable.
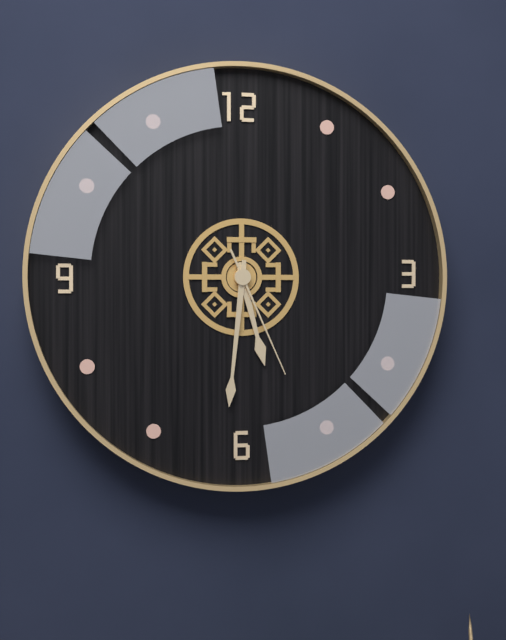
5:31:26
